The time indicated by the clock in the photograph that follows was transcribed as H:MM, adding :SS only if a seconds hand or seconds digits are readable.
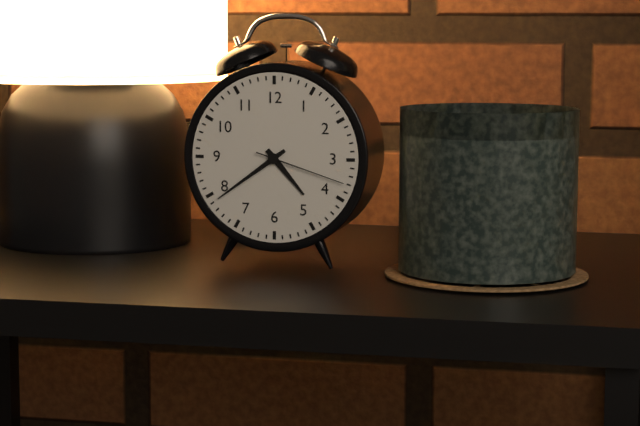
4:39:18
